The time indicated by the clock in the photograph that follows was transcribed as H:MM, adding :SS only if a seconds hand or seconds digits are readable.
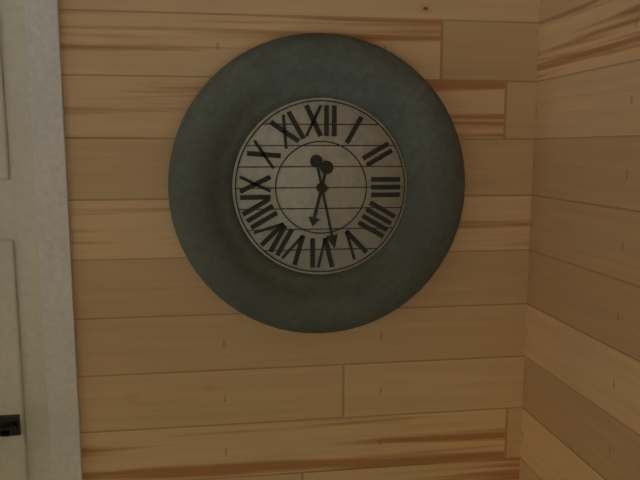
6:28
